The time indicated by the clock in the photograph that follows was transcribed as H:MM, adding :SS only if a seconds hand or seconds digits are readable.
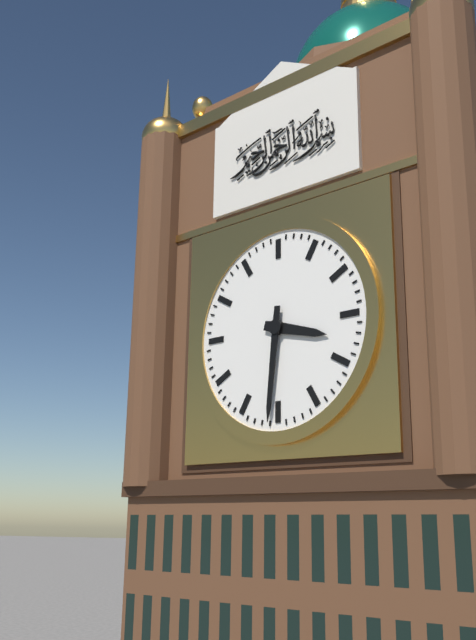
3:31
